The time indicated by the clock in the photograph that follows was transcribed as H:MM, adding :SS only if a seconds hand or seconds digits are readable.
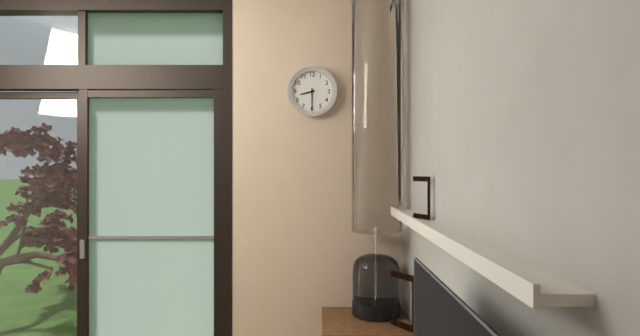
8:30
